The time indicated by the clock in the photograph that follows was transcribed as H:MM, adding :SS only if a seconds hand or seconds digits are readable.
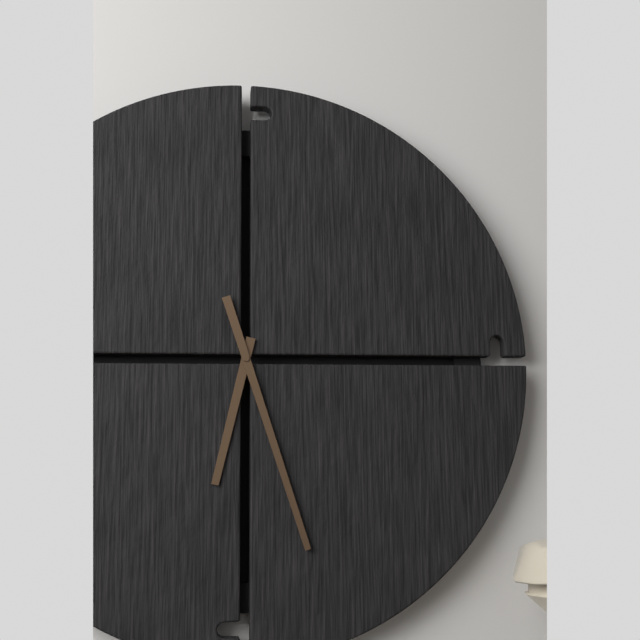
6:27
